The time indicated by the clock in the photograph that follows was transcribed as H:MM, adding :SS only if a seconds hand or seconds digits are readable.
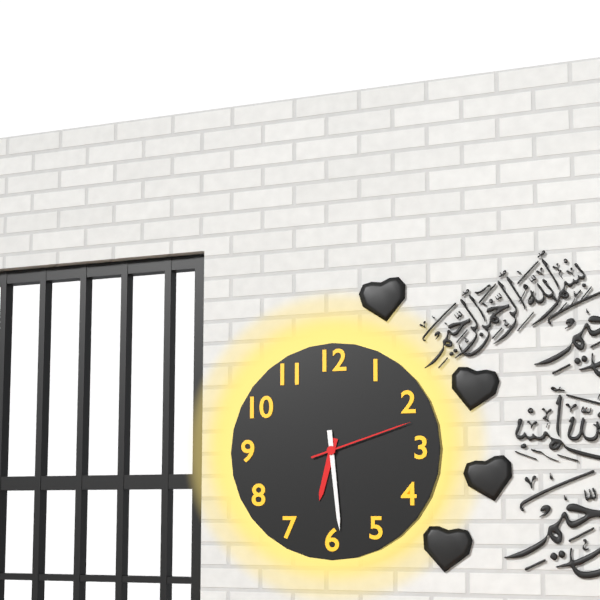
6:29:12
